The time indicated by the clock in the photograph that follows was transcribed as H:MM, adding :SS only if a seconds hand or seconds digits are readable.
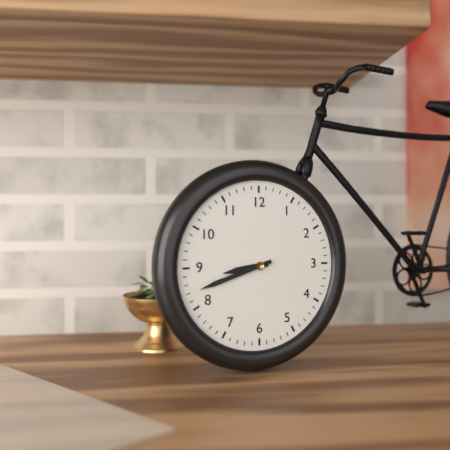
8:42
